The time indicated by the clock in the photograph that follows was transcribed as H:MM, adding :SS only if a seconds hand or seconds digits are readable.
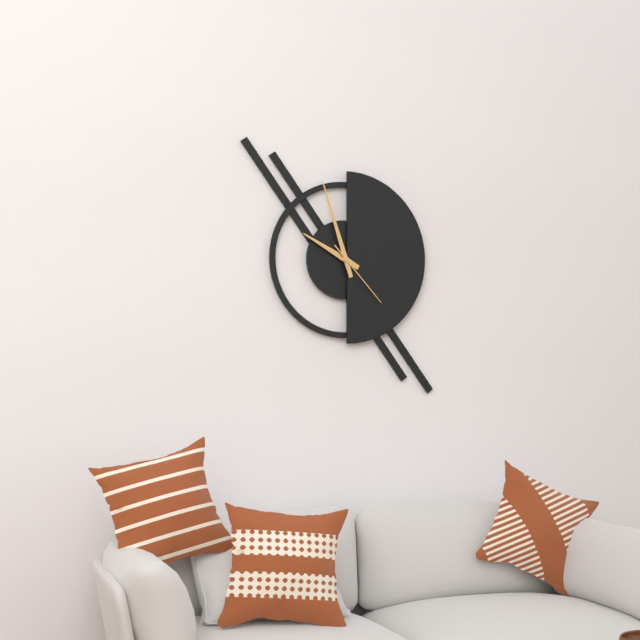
9:57:23
